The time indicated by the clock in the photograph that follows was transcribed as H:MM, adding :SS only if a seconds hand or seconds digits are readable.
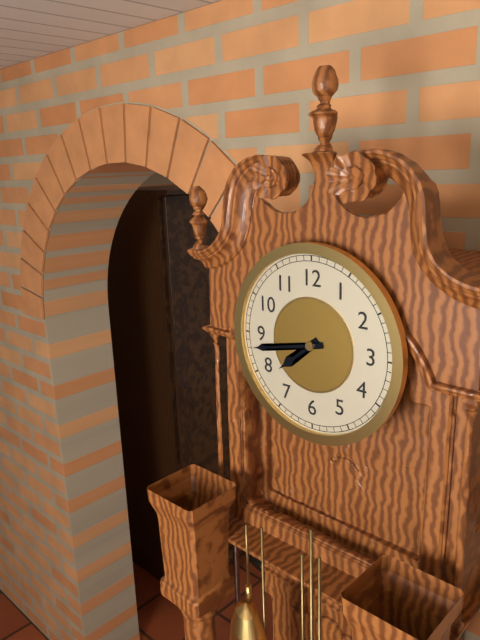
7:43
